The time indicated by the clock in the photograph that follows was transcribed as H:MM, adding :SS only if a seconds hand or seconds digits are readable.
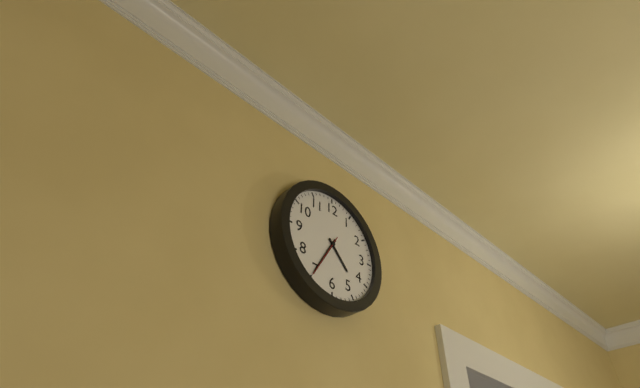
4:35
